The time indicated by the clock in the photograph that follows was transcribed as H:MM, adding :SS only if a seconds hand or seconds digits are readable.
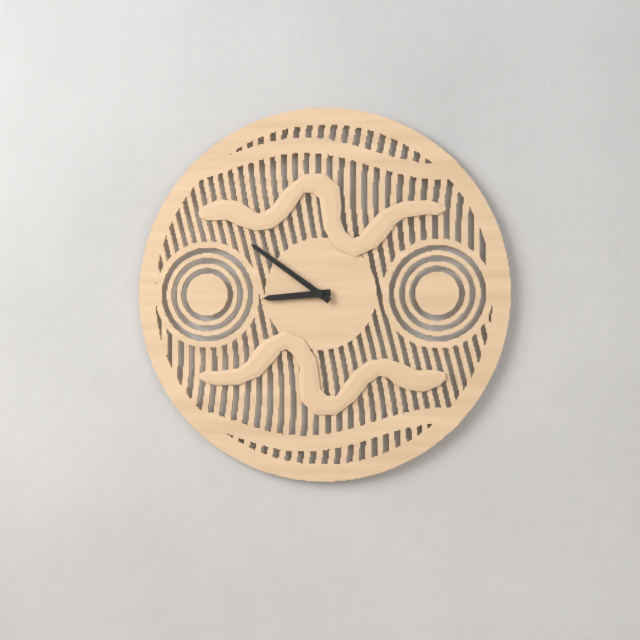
8:51
